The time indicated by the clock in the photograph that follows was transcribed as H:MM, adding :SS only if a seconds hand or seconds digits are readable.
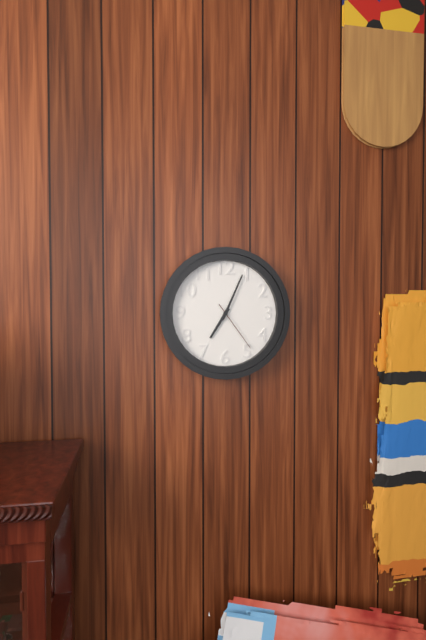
7:04:24
